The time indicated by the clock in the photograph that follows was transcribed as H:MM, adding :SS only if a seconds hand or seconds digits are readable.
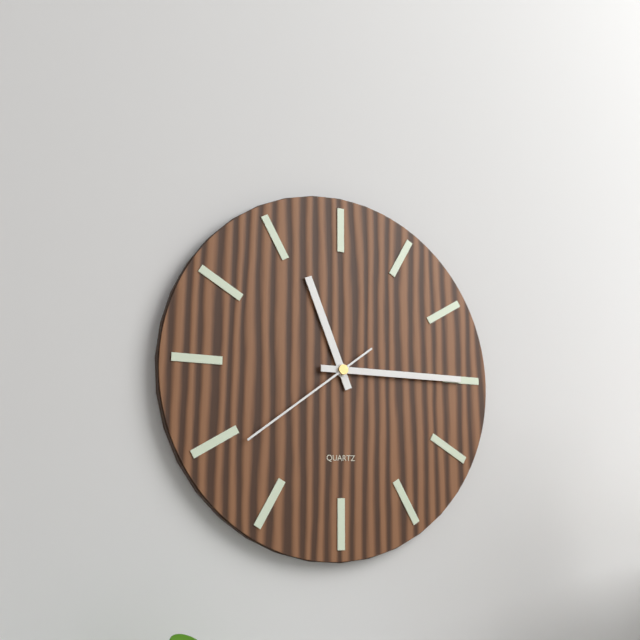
11:15:39
